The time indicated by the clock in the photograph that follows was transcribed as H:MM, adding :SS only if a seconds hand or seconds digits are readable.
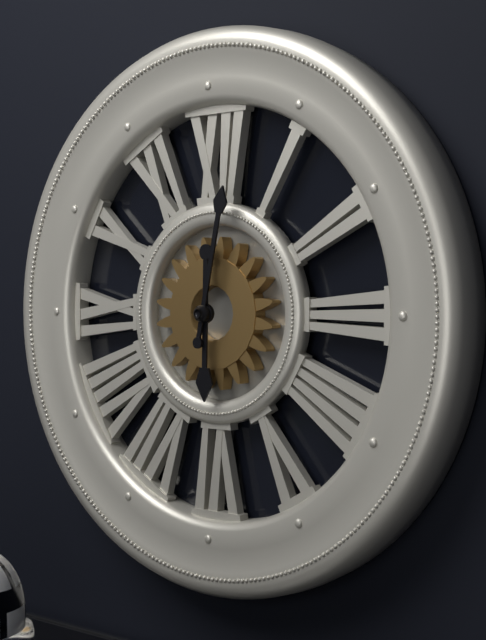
6:02
